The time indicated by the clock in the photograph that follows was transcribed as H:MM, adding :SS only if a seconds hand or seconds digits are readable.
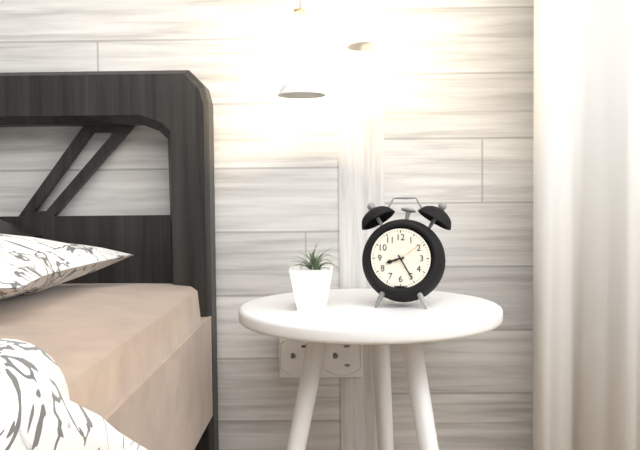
8:25
